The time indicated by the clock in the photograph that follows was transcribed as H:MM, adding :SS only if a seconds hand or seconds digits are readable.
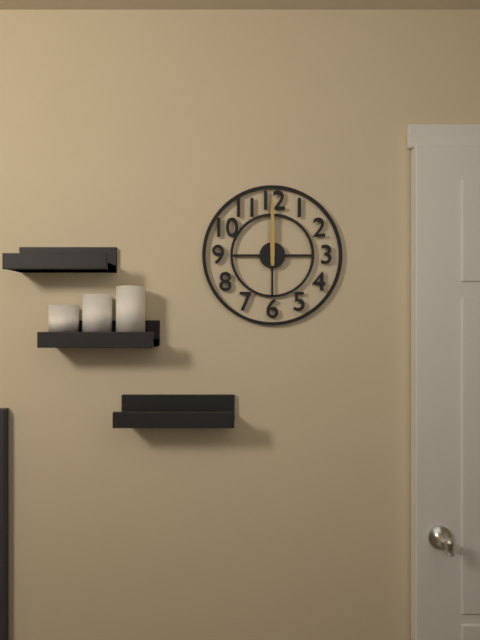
12:00
